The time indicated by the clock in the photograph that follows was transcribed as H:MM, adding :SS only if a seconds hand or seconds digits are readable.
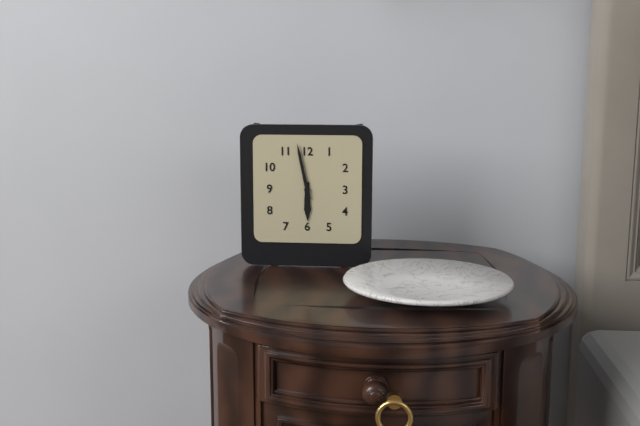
5:58
